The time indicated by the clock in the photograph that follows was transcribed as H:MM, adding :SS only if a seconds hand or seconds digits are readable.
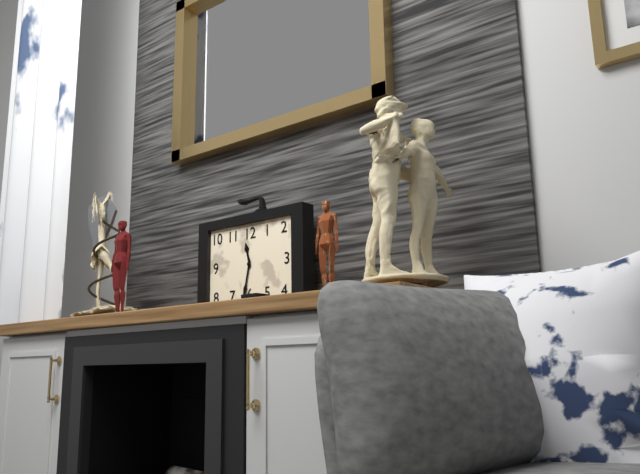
11:32
